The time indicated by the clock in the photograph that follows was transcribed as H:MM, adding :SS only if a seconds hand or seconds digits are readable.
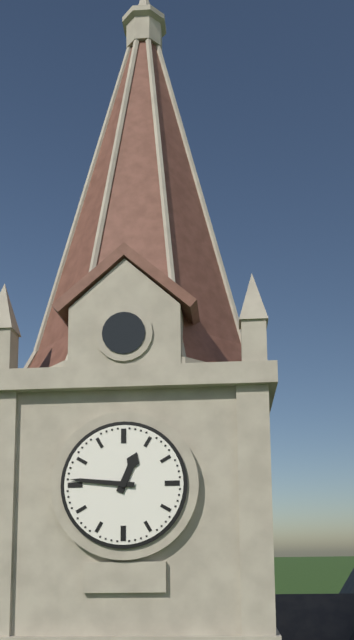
12:46
